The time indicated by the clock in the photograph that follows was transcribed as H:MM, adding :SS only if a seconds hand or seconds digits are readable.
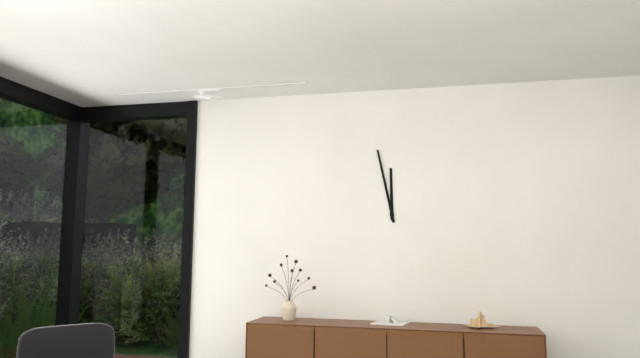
11:58
